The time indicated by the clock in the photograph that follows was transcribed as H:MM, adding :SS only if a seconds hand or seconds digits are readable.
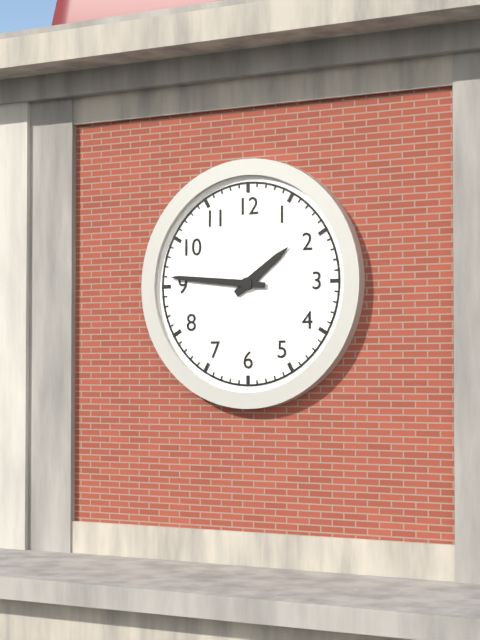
1:46
